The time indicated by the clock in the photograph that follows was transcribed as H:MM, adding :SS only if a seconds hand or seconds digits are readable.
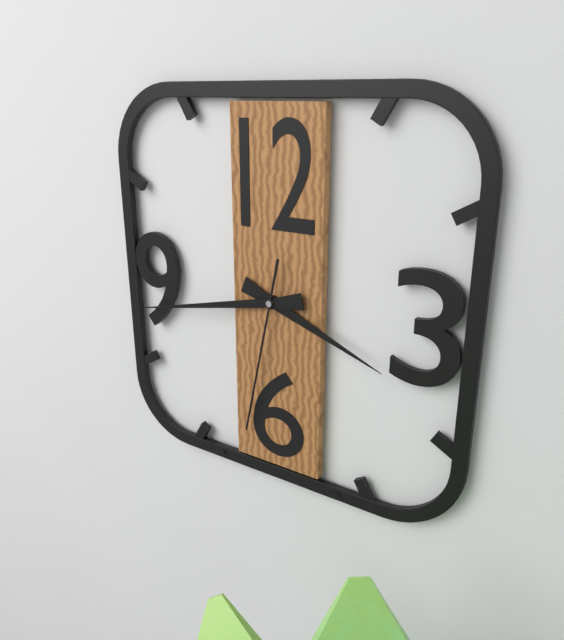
3:43:32
